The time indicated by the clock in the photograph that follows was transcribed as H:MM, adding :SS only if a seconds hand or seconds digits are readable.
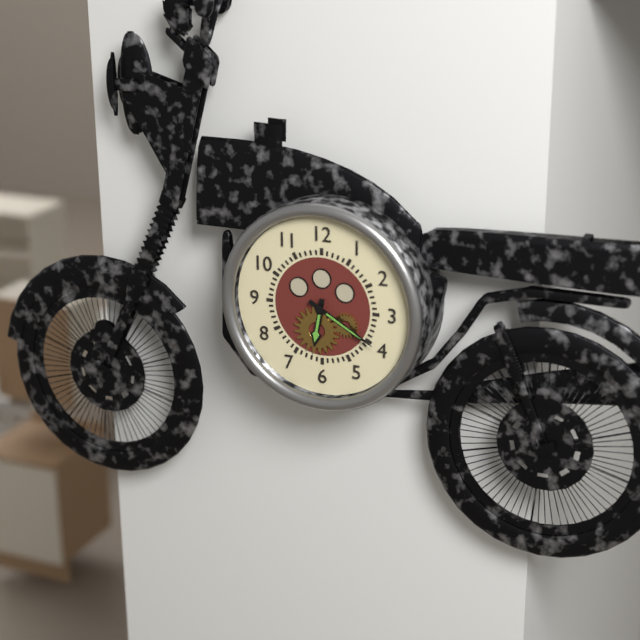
6:20
